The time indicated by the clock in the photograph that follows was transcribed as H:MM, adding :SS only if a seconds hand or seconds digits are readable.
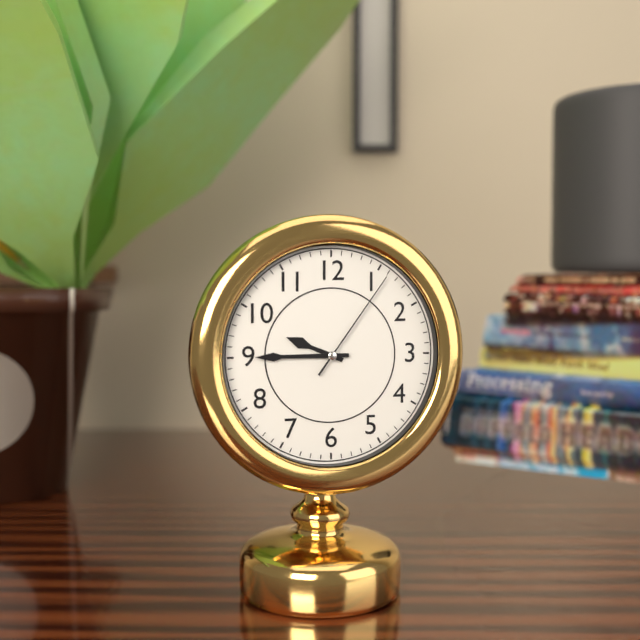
9:45:06
